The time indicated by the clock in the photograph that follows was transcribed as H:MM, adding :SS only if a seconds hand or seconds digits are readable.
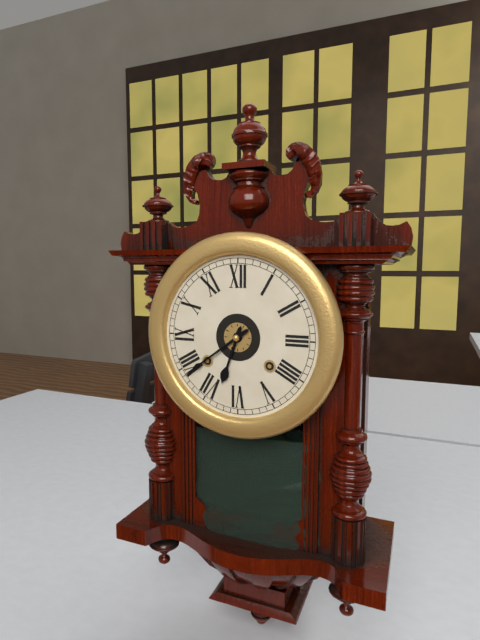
6:39
